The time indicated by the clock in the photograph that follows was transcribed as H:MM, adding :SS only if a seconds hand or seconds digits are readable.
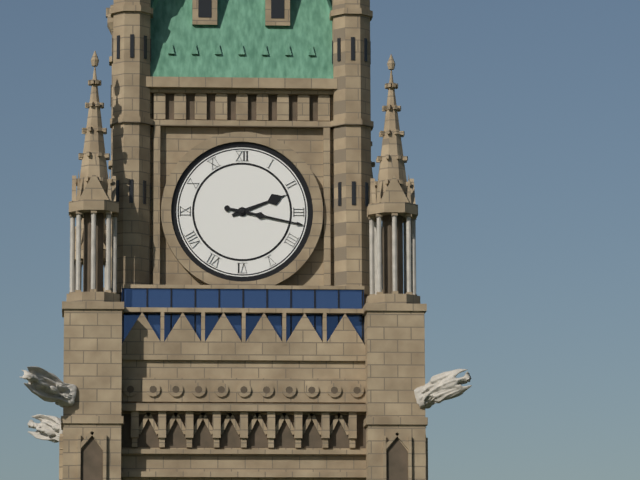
2:17
